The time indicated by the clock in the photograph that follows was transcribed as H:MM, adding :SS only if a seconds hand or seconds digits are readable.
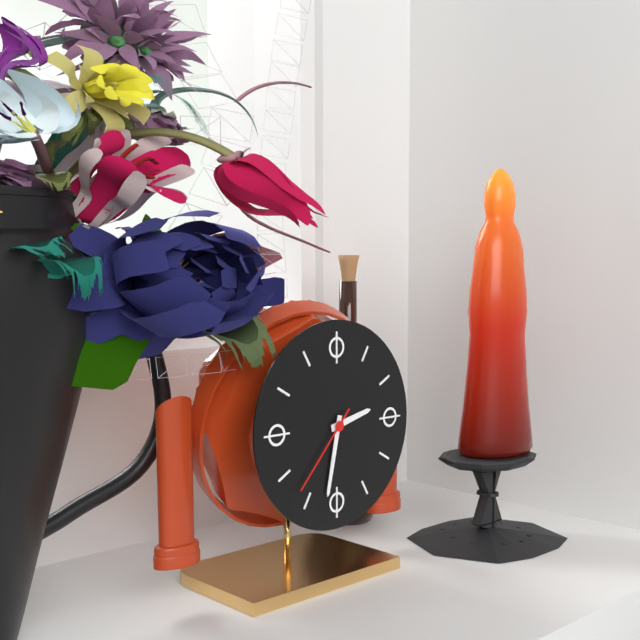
2:32:37
